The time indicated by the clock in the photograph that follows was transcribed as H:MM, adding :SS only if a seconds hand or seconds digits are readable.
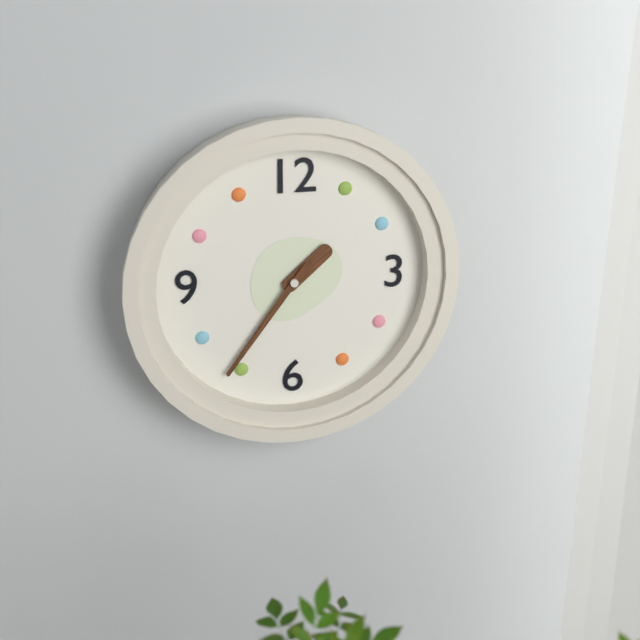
1:36
